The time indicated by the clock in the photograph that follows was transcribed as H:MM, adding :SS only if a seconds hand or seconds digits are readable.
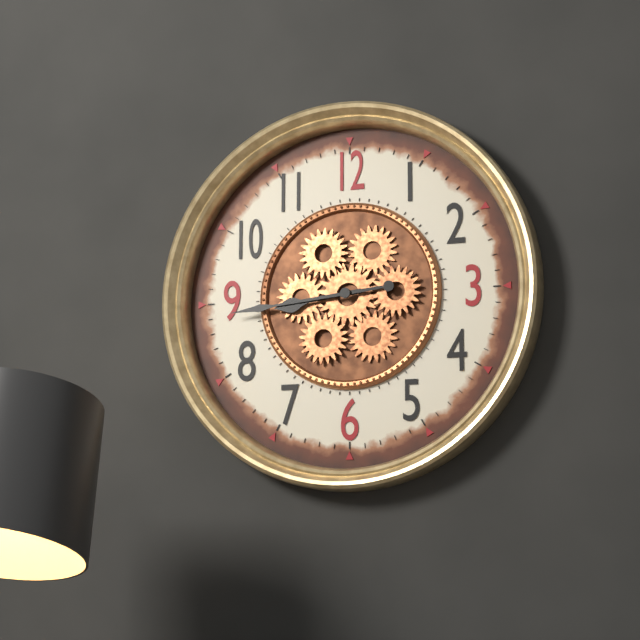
8:44
